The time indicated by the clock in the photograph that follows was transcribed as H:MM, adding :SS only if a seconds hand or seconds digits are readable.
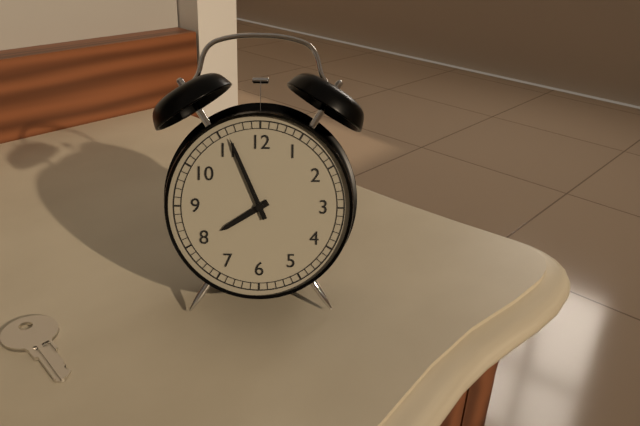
7:56
